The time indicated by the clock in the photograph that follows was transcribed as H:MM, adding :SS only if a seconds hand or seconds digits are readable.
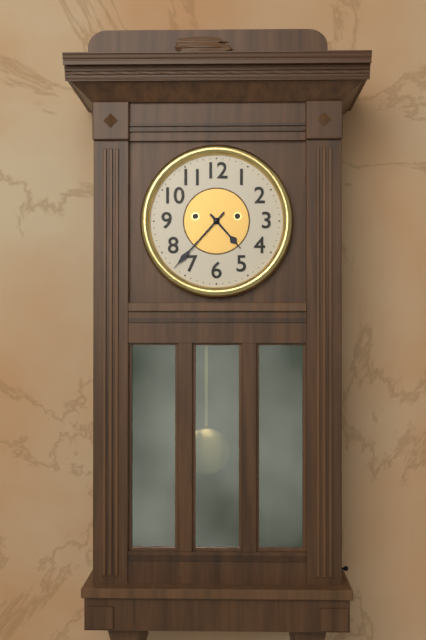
4:37
